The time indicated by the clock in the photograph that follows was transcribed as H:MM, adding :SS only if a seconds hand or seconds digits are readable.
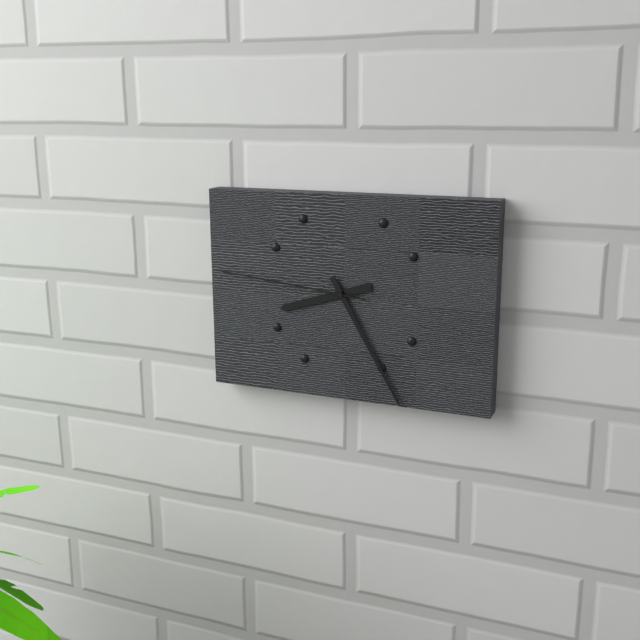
8:25:46
